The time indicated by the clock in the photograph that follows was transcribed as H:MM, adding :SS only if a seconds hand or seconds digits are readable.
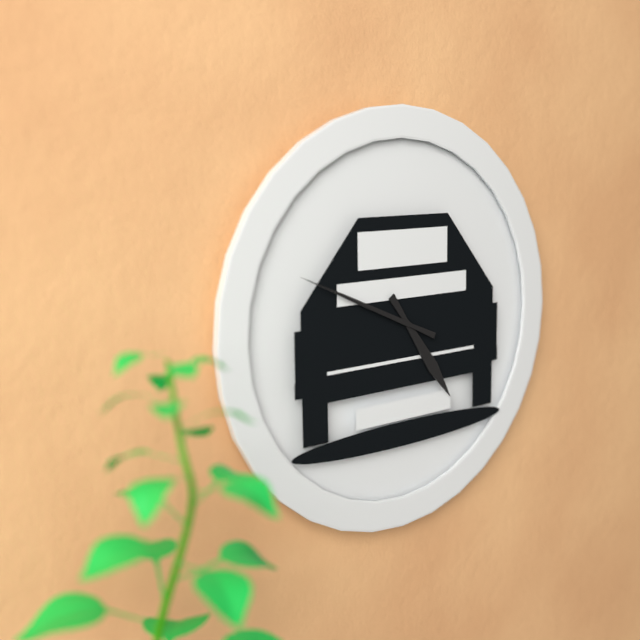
4:49
